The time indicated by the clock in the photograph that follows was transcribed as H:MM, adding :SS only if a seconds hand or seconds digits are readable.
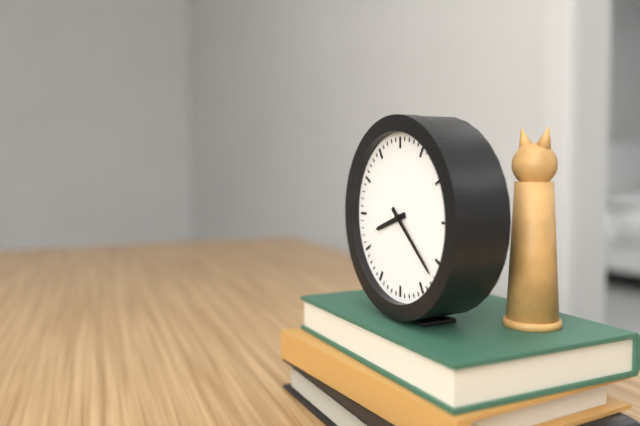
8:22
